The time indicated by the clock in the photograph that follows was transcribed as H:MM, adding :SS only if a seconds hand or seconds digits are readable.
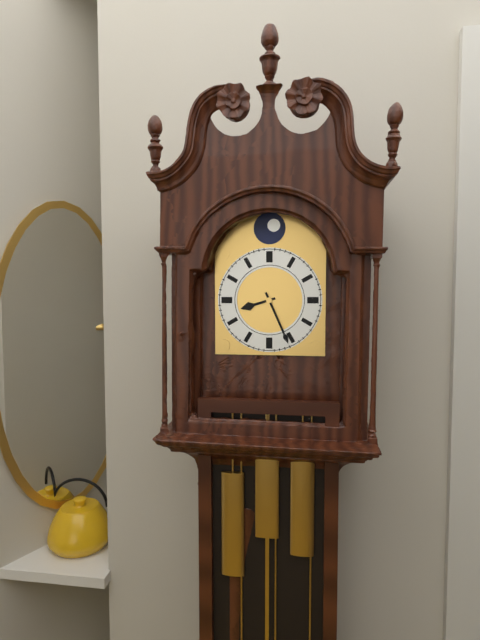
8:26
